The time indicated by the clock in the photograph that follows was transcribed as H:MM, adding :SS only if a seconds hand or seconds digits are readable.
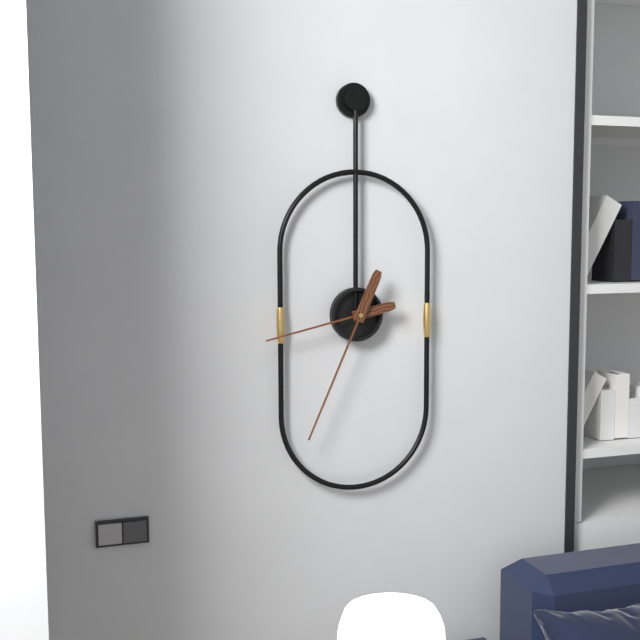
8:34
